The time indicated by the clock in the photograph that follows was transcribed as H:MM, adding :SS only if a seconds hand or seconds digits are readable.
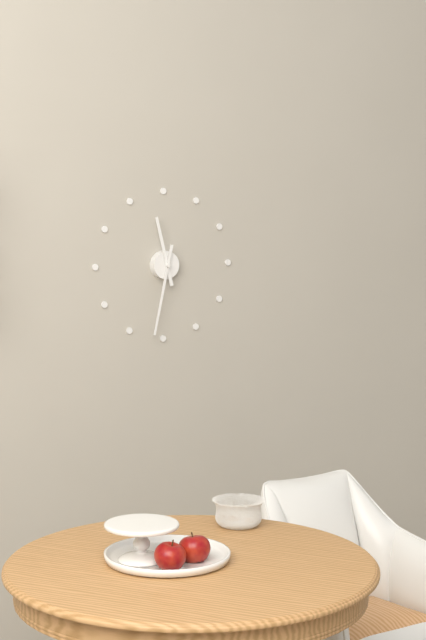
11:32
